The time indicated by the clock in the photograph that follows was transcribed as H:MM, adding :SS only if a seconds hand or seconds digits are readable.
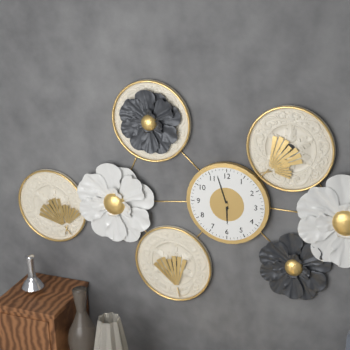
5:57
